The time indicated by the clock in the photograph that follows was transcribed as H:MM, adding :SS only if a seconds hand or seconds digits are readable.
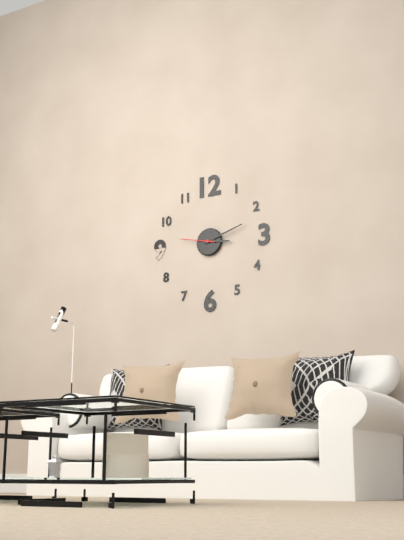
3:12
